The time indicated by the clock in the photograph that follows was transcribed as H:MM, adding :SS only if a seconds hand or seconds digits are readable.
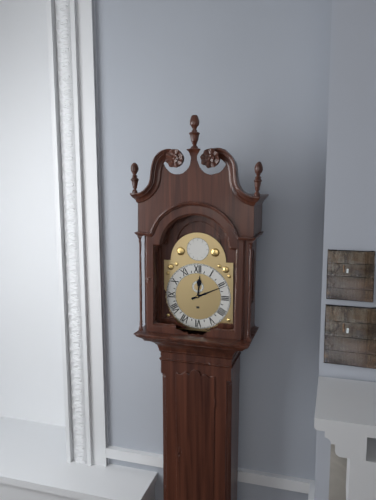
12:11
